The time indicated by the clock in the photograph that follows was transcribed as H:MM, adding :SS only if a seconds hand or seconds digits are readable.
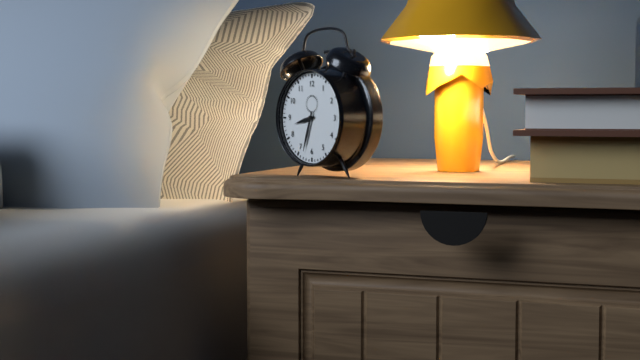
8:33
